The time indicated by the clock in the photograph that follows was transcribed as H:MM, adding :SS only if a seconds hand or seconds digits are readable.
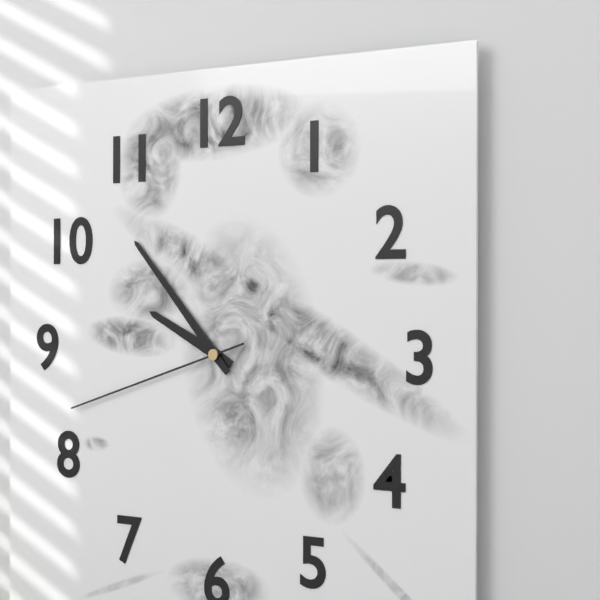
9:53:42
